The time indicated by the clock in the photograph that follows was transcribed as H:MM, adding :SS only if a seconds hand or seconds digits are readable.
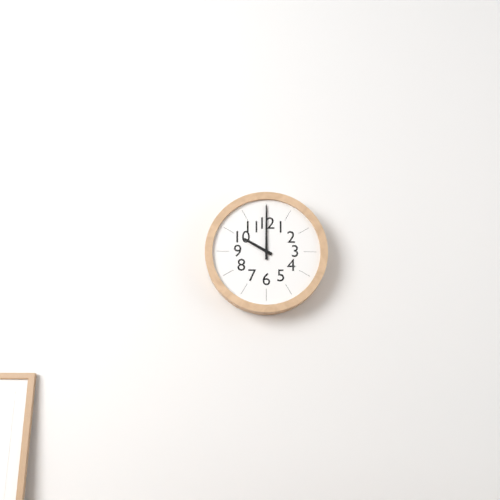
10:00
